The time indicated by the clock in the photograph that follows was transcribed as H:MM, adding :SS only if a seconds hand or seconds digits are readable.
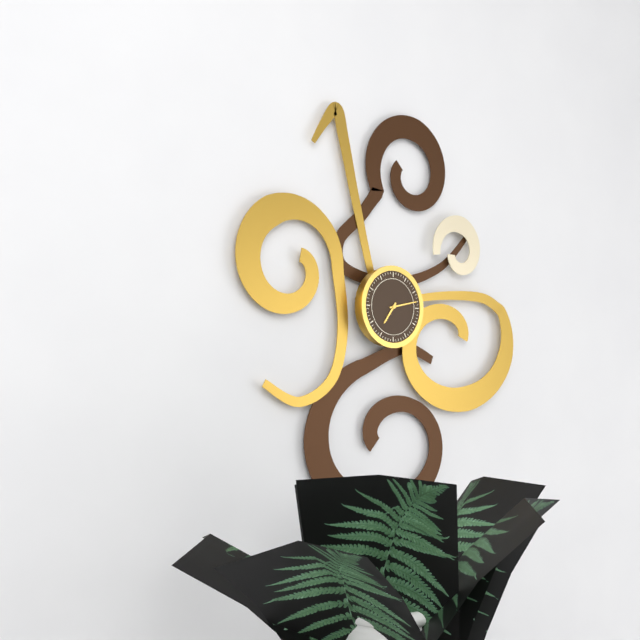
7:13
